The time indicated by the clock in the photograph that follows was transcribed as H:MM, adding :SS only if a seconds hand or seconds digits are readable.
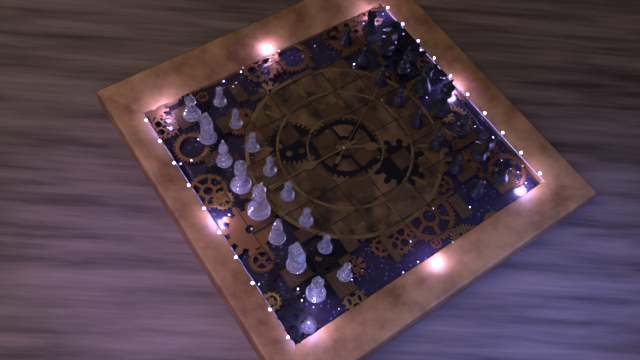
7:00:25
